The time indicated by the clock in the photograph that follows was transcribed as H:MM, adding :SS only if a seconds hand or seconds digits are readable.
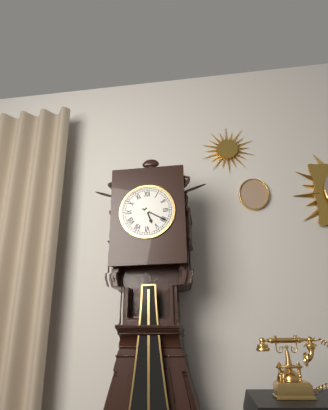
5:20
